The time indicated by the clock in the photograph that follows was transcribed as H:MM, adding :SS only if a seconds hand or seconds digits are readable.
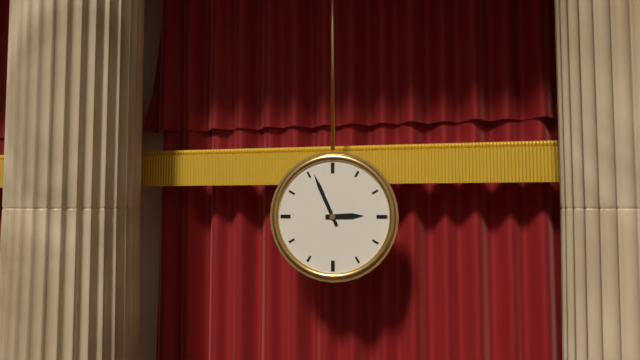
2:56
